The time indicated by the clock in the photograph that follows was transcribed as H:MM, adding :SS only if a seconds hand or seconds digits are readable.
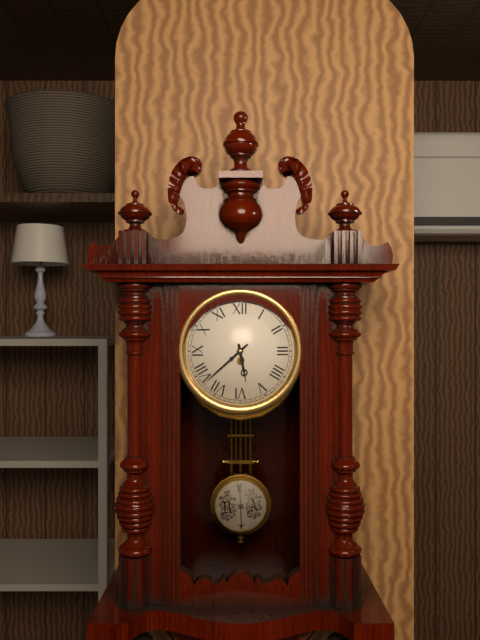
5:38
